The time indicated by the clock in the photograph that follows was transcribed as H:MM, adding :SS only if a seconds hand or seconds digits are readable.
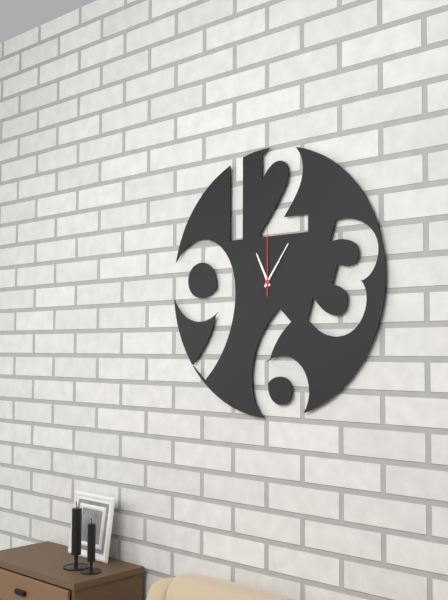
11:06:00
